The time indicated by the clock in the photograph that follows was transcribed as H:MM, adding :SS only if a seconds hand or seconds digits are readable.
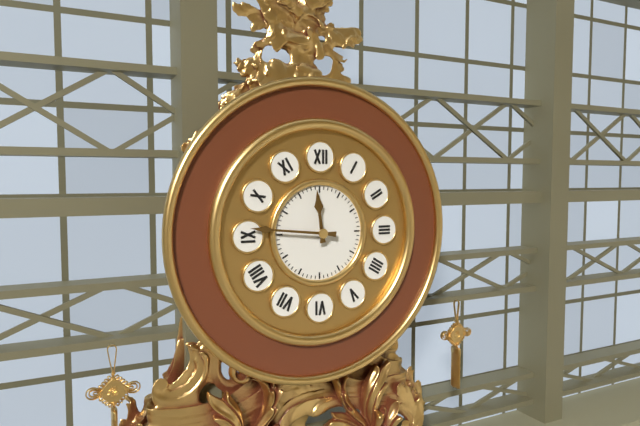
11:46
